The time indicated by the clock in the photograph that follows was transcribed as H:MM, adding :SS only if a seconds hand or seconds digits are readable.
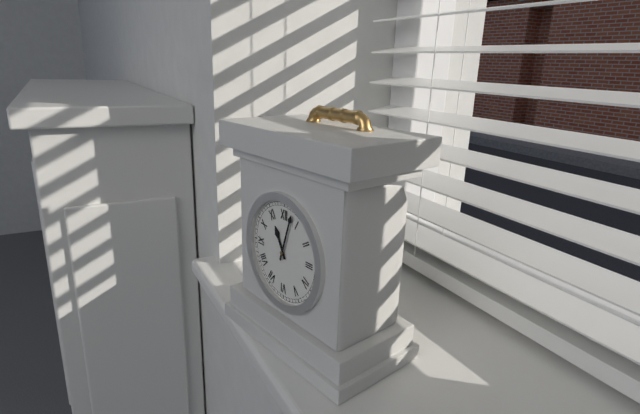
11:03
